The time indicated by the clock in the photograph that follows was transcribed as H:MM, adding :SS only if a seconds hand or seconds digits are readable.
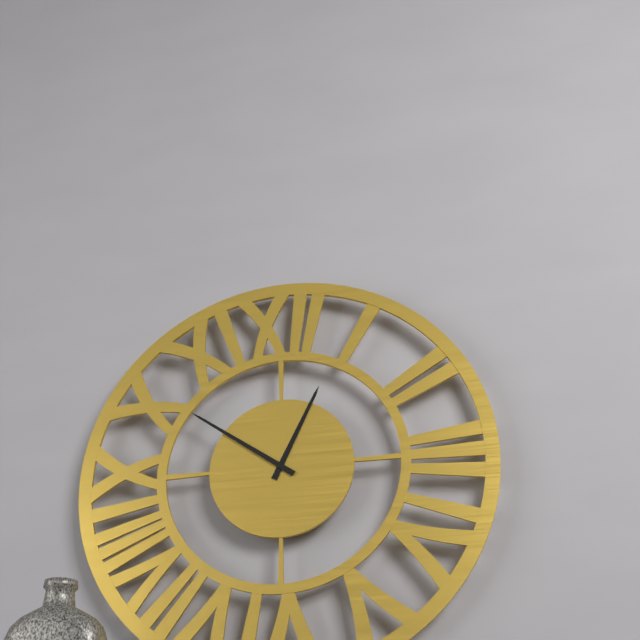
12:51
